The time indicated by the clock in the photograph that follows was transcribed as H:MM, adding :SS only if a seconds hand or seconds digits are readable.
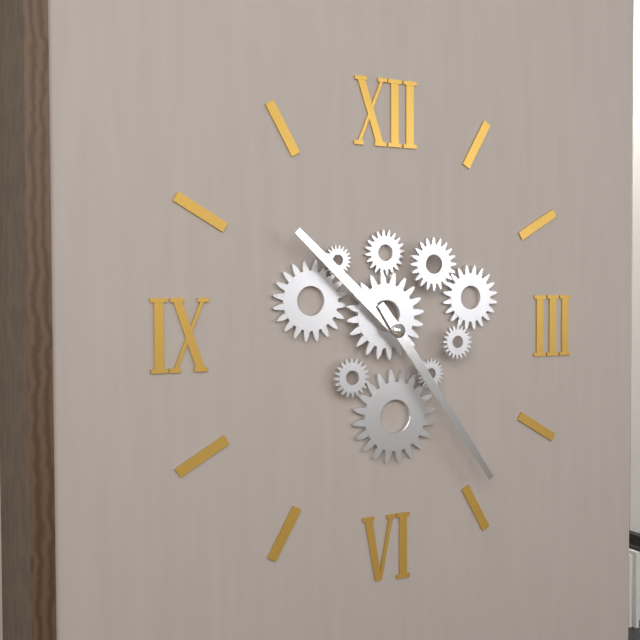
10:24
